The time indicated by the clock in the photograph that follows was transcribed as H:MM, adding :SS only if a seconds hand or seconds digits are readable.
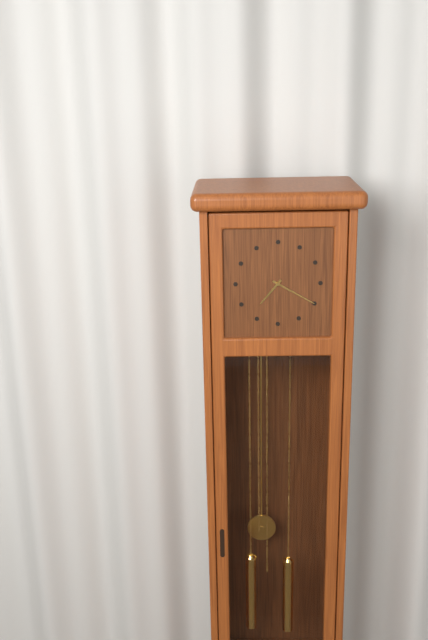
7:20
